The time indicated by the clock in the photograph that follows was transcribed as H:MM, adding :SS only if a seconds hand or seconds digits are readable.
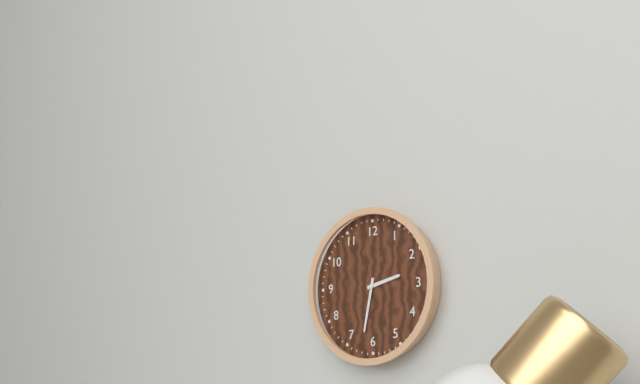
2:32
